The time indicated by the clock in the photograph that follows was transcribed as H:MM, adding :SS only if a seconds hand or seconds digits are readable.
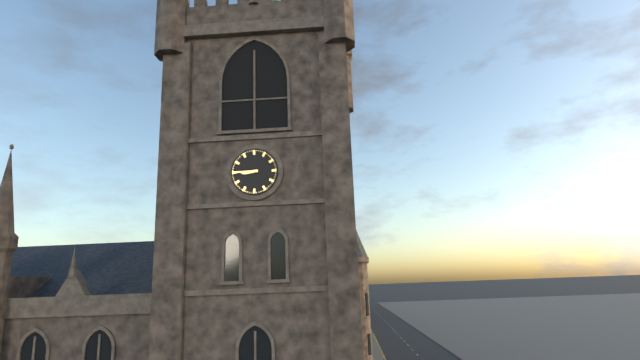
8:45
